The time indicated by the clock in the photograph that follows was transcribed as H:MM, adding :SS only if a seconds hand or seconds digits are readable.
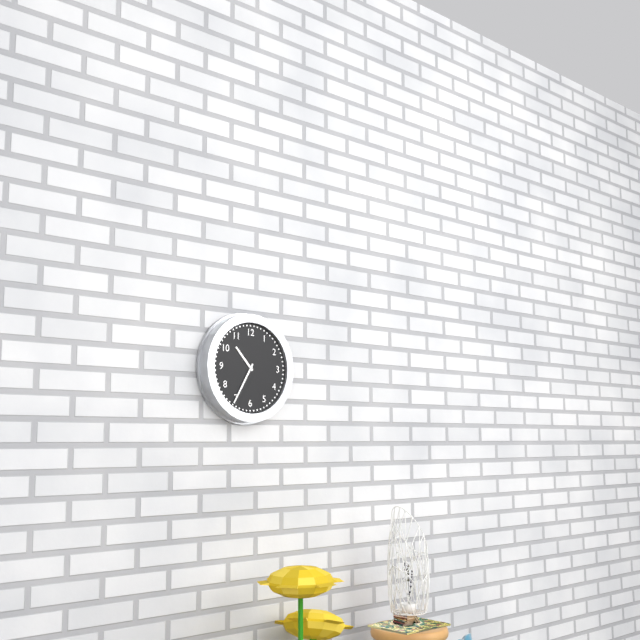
10:35
